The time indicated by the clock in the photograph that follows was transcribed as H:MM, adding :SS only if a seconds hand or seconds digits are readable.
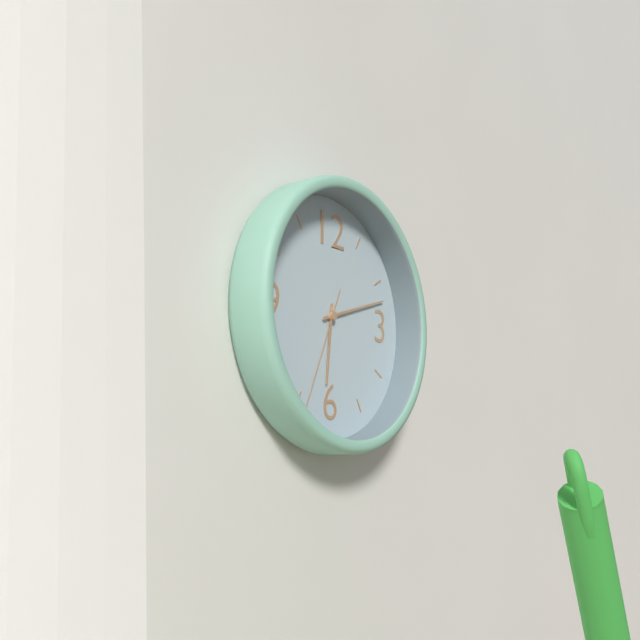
6:12:34
